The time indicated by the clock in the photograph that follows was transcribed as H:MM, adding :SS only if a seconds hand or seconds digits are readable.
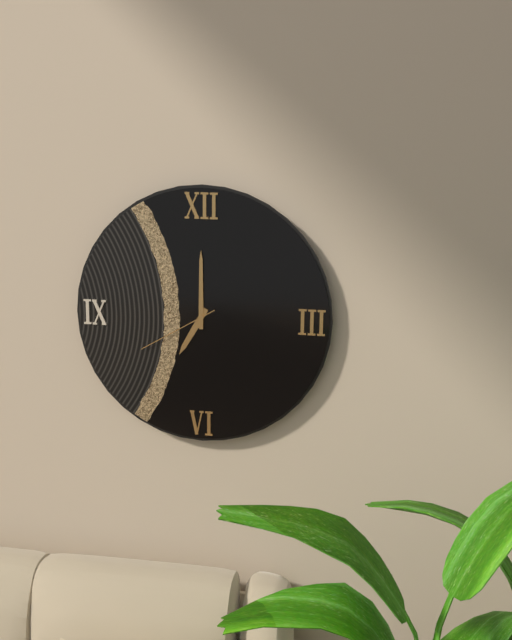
7:00:40
